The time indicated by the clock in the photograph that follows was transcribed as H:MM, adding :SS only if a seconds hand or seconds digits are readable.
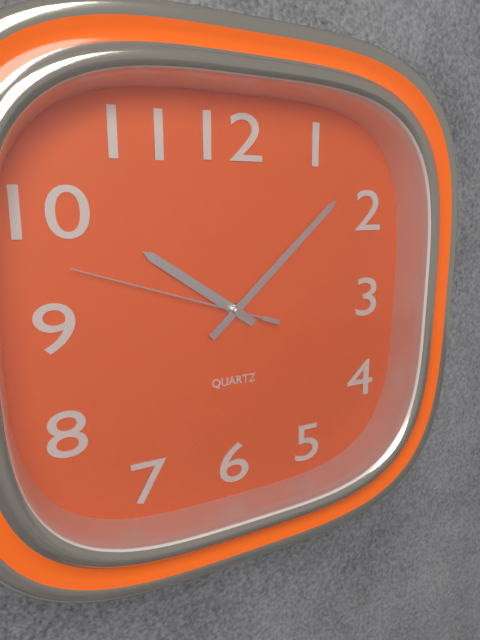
10:08:48
